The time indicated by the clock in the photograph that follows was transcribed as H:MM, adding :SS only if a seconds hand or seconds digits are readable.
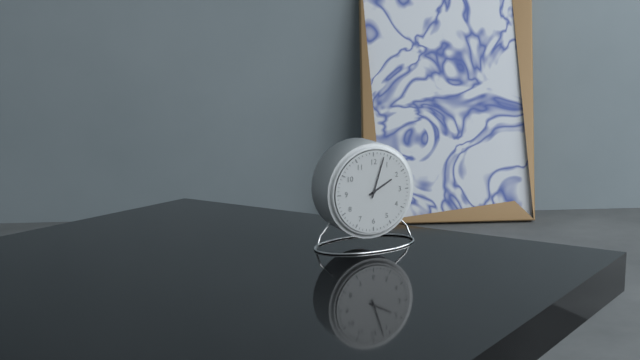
2:03
